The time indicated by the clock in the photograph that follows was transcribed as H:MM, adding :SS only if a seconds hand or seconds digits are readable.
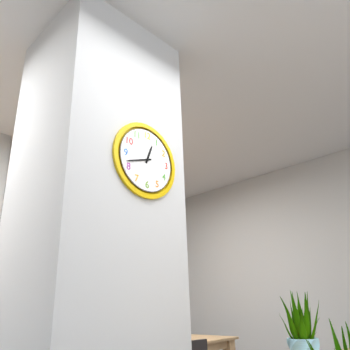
12:42
